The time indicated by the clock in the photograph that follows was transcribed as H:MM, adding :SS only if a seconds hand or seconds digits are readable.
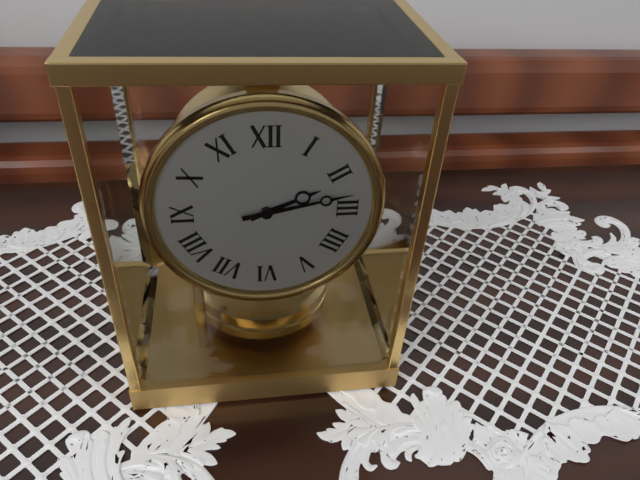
2:13
